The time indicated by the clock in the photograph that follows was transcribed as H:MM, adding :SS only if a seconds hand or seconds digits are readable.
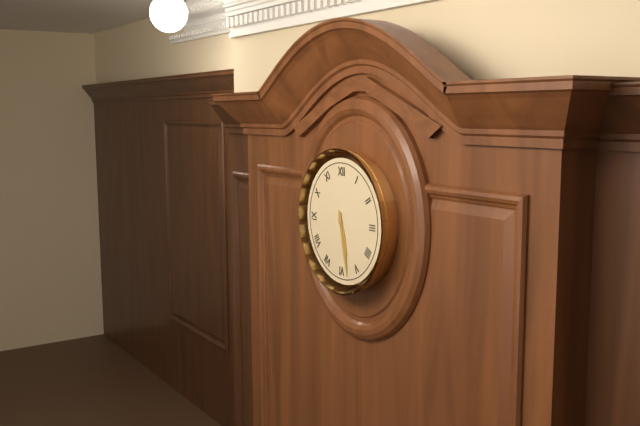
5:28
